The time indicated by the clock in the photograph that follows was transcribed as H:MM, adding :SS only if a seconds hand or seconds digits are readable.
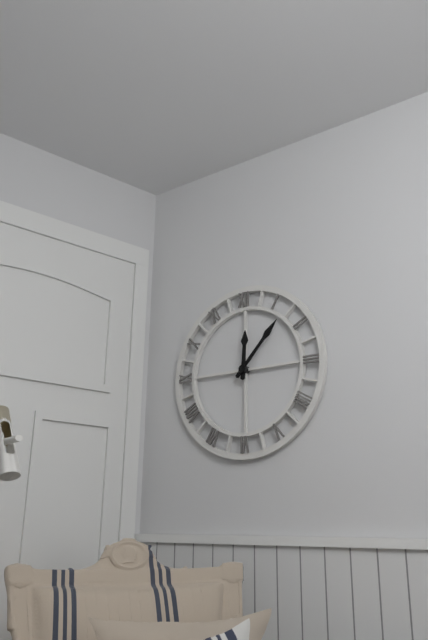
12:07
